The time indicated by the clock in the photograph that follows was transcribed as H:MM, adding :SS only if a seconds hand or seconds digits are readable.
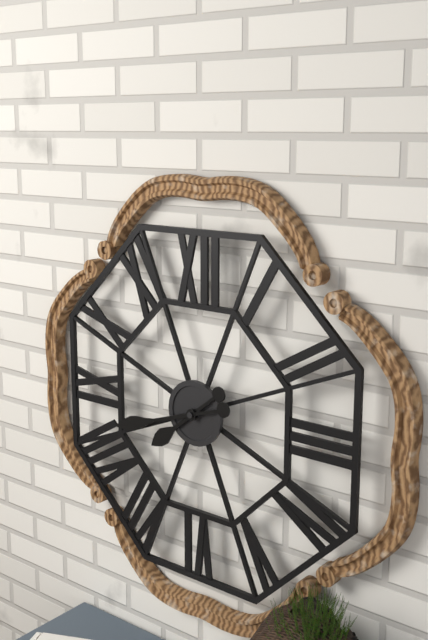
7:42
